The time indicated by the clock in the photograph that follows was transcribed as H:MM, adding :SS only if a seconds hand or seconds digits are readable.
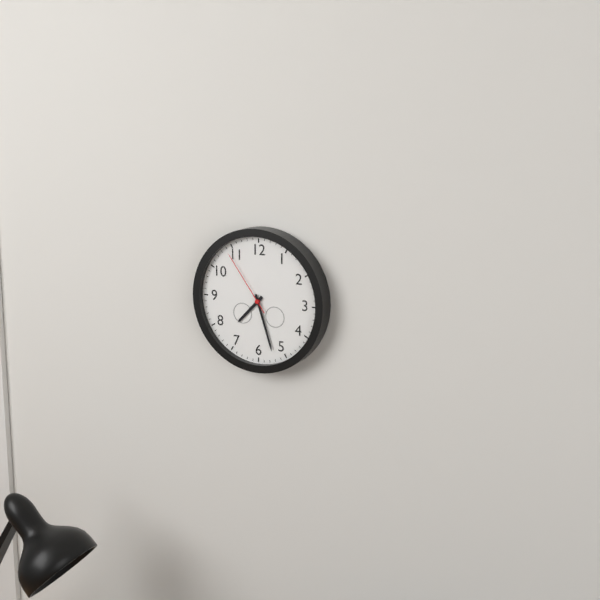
7:27:54
